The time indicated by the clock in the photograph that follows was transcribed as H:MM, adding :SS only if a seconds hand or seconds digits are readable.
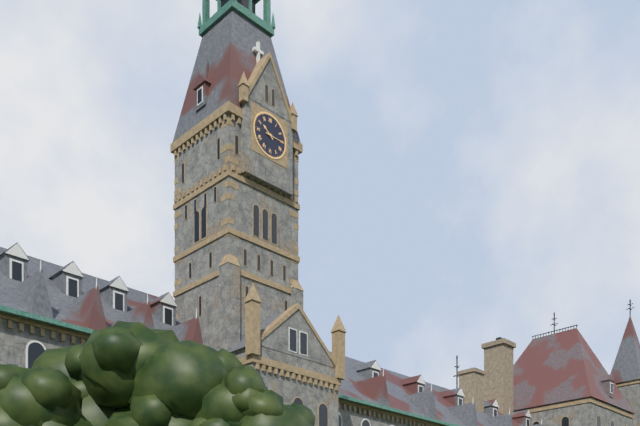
10:15
